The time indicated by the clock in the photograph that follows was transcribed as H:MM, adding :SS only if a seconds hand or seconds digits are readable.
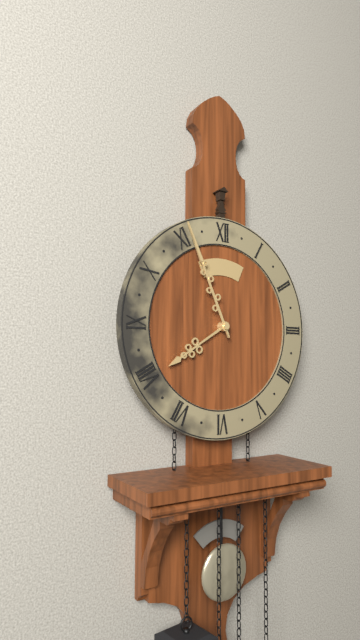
7:56
